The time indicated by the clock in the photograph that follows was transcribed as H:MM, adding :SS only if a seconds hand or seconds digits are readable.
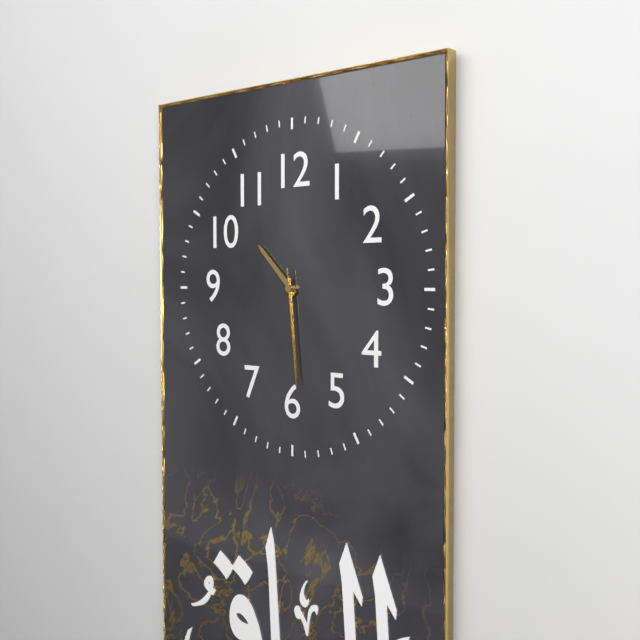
10:29:29
